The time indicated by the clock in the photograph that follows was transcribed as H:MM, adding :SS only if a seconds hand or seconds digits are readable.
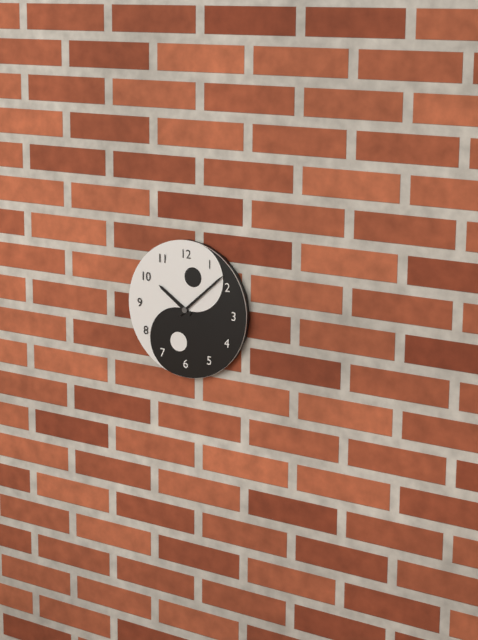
10:08
